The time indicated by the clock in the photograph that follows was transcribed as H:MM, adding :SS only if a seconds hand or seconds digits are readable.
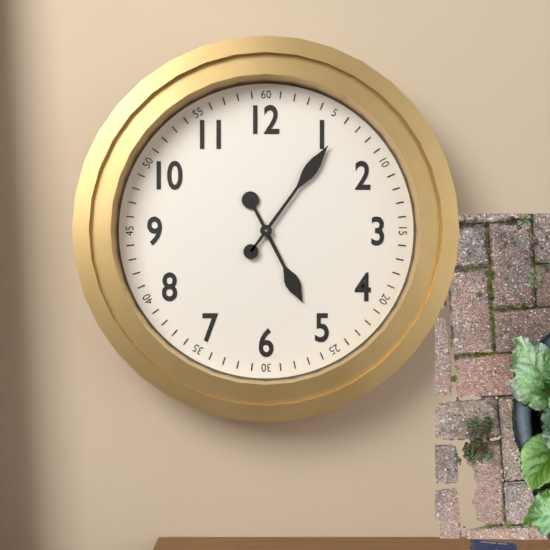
5:06
